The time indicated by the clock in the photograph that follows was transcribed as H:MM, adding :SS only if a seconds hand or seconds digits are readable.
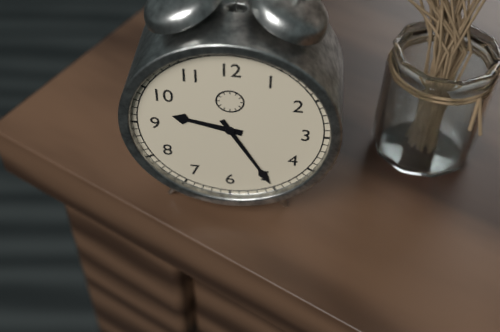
9:25
